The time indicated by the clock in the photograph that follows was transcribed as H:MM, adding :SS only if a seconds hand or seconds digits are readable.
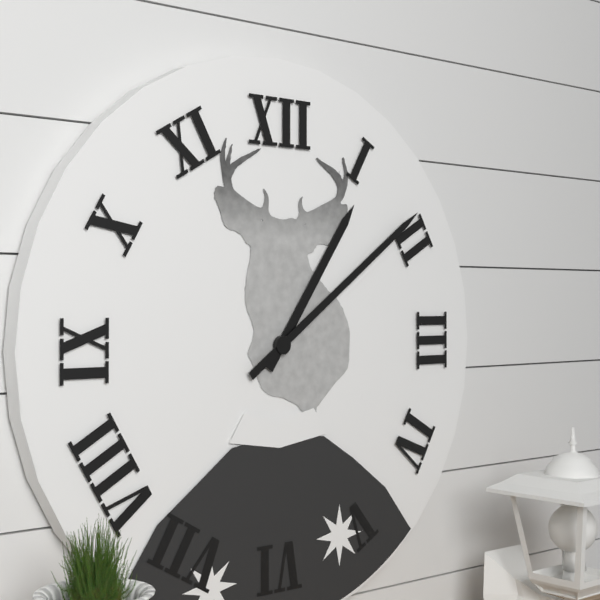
1:09
